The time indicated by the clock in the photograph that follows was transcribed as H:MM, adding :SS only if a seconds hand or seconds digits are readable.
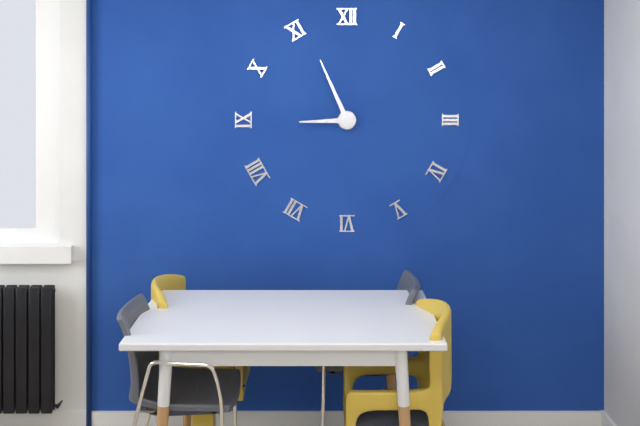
8:56
